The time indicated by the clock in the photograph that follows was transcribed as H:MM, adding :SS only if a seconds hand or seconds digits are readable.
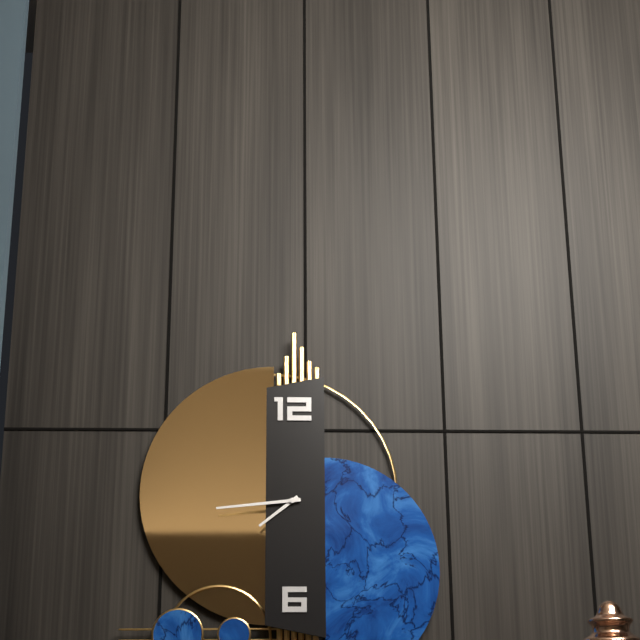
7:44
